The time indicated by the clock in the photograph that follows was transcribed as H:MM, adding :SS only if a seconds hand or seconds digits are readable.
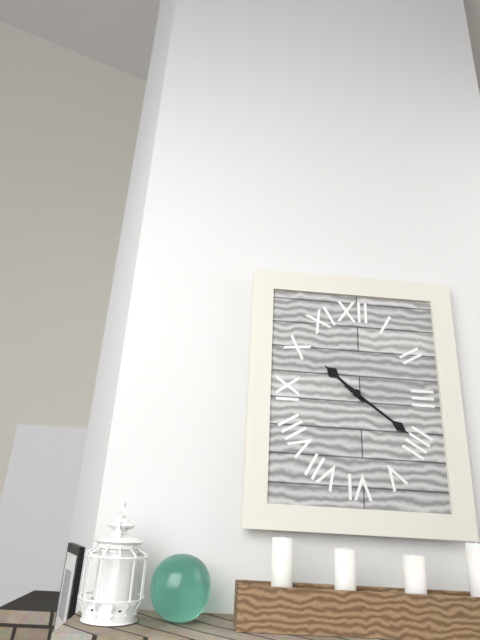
10:21
